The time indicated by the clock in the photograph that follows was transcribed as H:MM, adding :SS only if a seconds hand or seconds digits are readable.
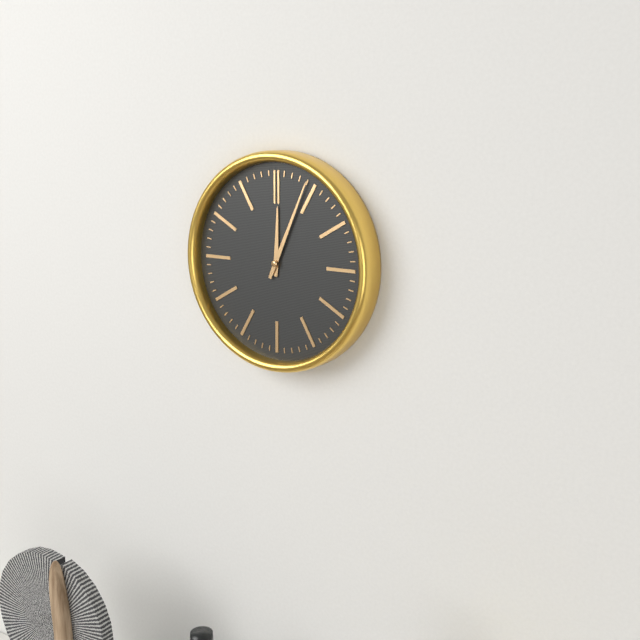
12:04
